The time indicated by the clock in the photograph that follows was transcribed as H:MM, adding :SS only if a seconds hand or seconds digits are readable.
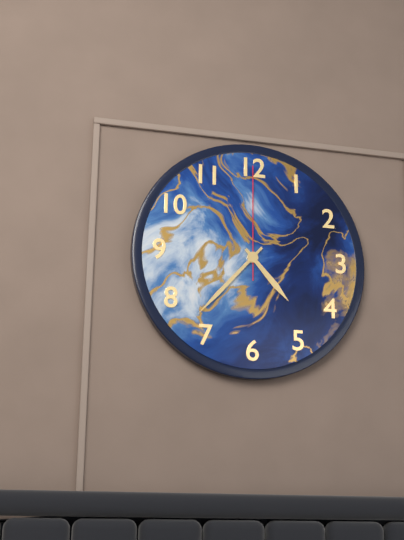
4:37:00
